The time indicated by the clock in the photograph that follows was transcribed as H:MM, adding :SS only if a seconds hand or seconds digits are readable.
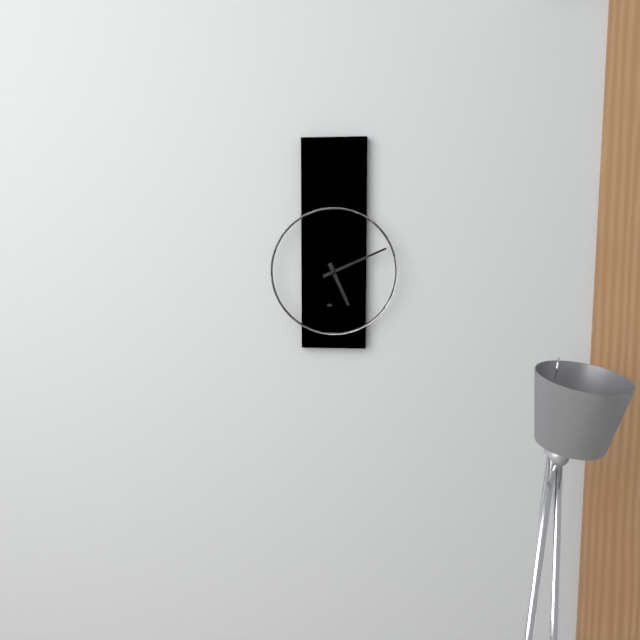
5:11
